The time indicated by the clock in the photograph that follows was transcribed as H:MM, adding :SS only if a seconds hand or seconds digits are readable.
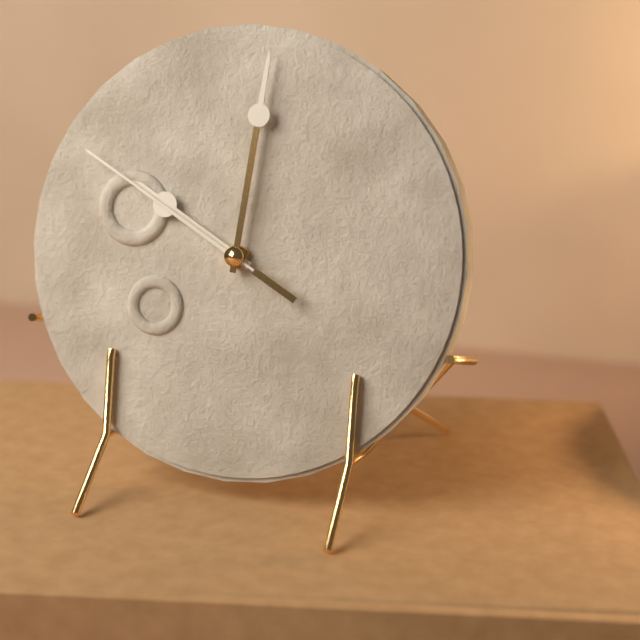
10:01:50
